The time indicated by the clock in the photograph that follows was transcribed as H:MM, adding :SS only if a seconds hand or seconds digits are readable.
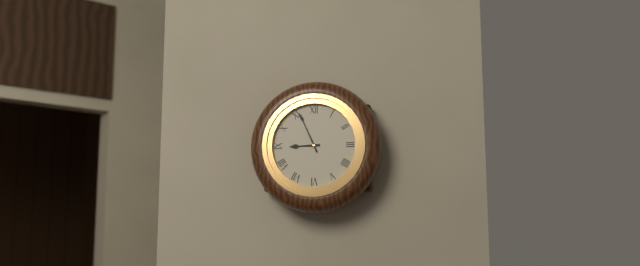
8:56
